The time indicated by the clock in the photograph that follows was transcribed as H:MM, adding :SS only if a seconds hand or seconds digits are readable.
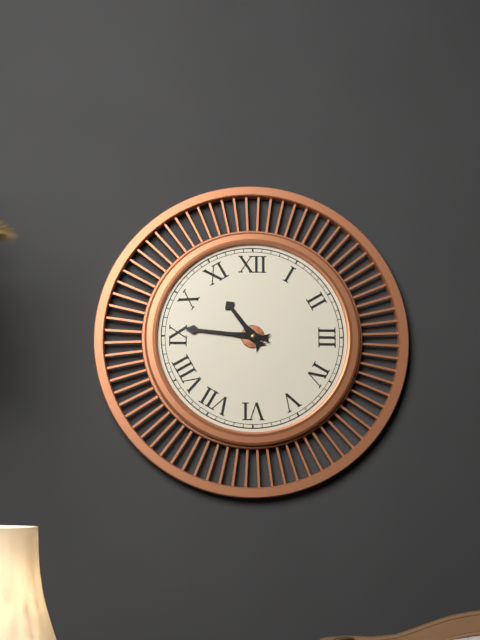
10:46
